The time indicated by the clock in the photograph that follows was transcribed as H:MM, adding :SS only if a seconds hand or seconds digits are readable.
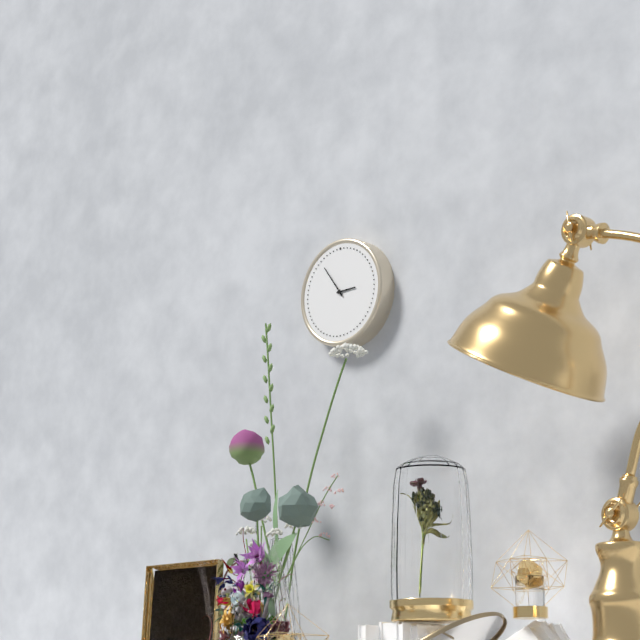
2:54
